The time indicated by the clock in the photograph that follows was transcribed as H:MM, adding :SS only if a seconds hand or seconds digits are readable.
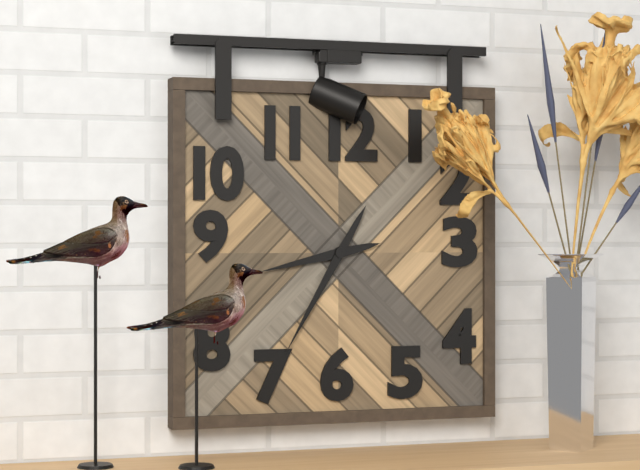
8:35
